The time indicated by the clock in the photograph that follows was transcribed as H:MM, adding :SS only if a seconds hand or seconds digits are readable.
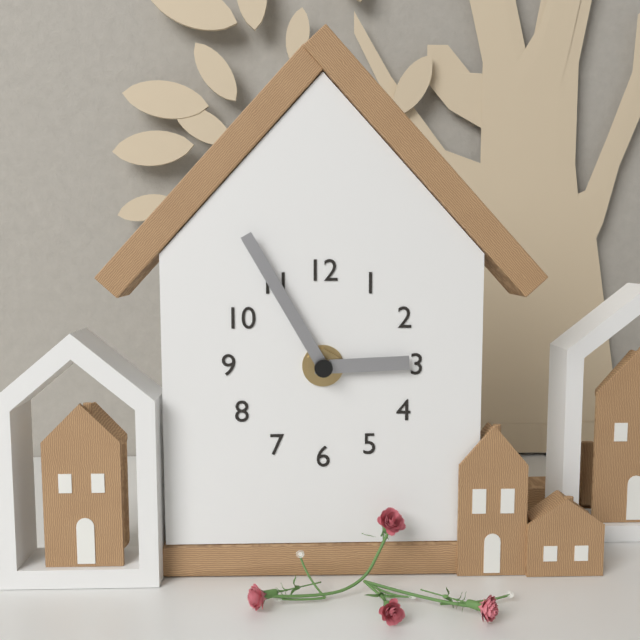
2:55
